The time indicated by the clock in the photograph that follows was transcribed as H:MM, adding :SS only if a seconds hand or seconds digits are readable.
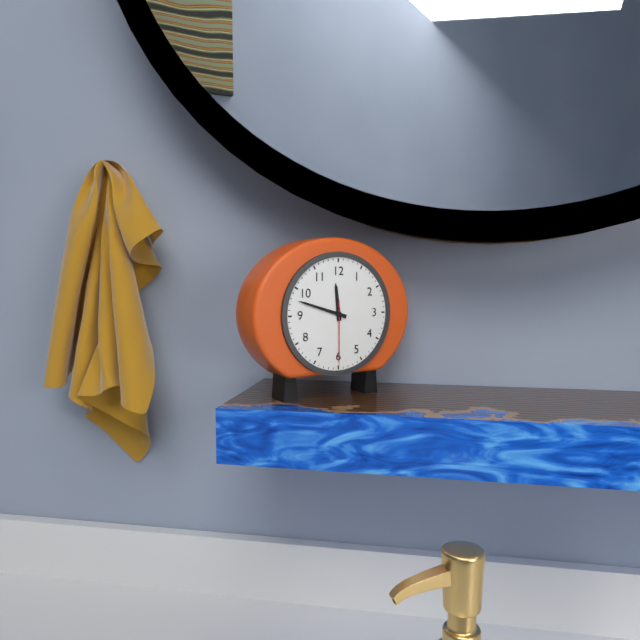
11:48:30
